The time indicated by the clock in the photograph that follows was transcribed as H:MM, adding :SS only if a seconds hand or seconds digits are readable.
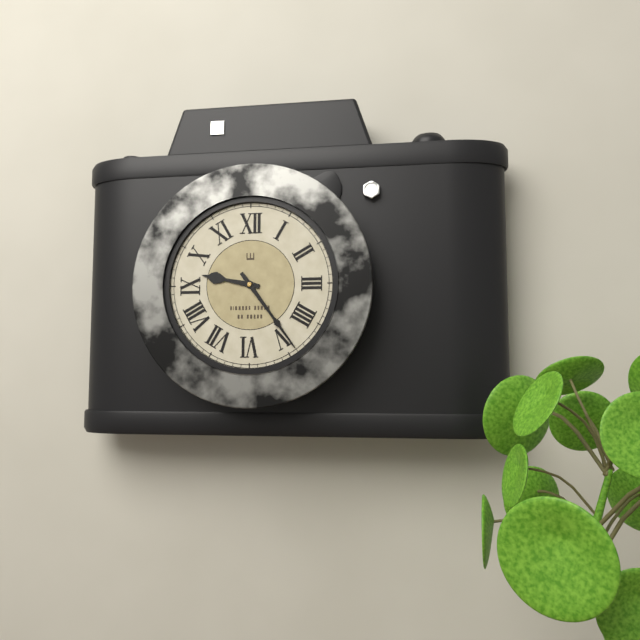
9:24
